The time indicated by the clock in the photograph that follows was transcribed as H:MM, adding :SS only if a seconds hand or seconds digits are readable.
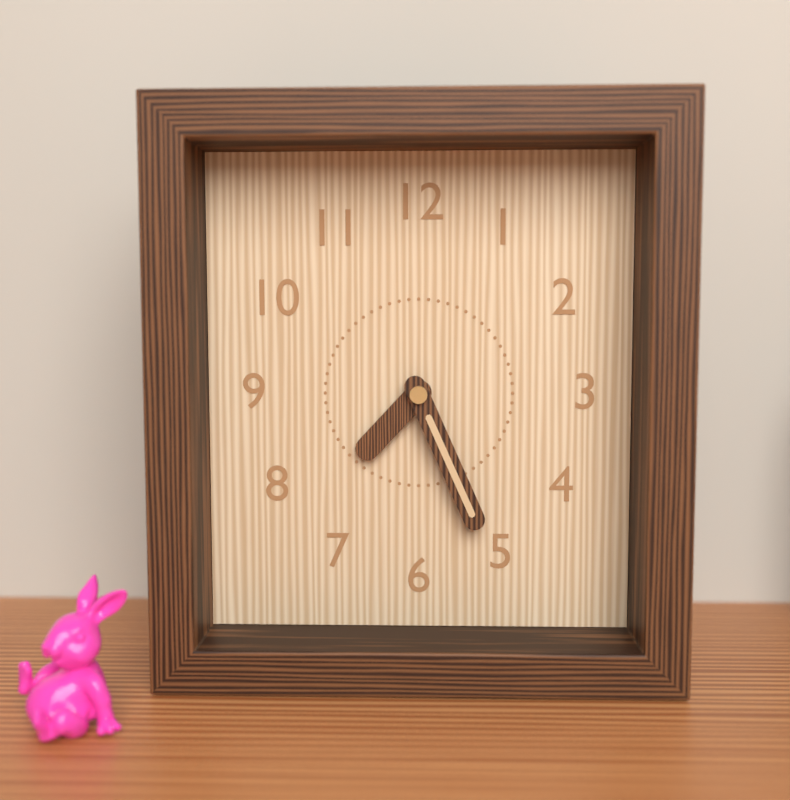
7:26
